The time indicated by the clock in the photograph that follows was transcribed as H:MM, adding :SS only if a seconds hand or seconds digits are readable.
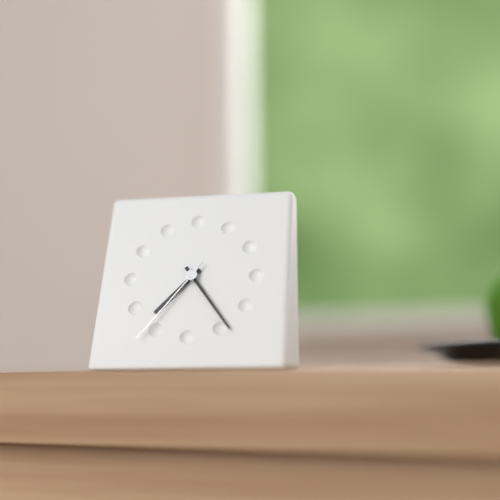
7:24:36
